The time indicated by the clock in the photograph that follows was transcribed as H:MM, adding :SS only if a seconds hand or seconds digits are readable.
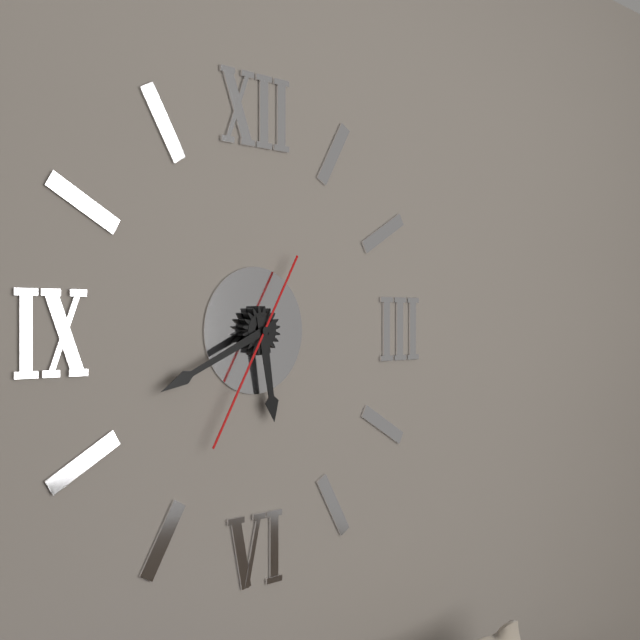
5:41:35
